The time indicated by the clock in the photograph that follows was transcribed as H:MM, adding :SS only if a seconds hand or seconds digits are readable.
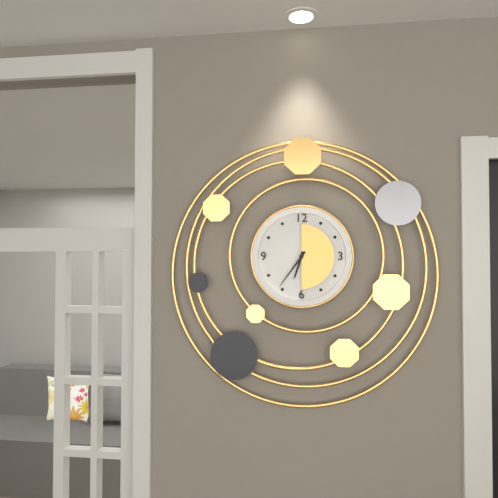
6:36
